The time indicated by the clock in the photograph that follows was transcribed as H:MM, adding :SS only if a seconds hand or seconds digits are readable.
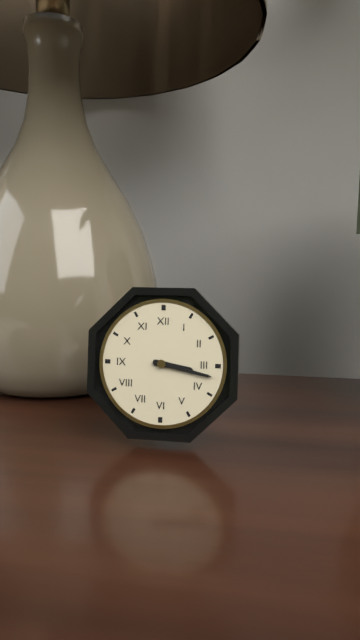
3:17
